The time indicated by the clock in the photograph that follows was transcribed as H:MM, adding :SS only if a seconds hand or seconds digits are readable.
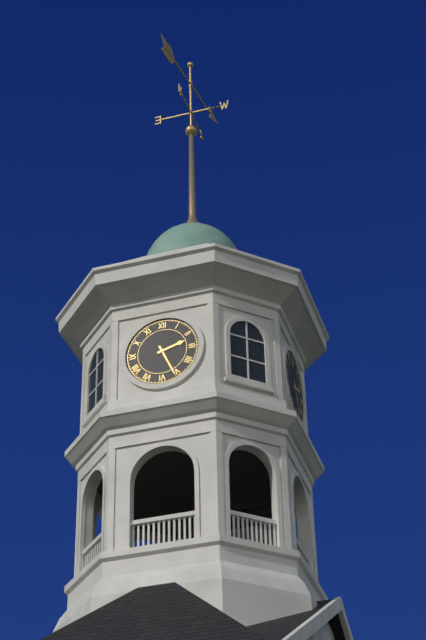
2:26
